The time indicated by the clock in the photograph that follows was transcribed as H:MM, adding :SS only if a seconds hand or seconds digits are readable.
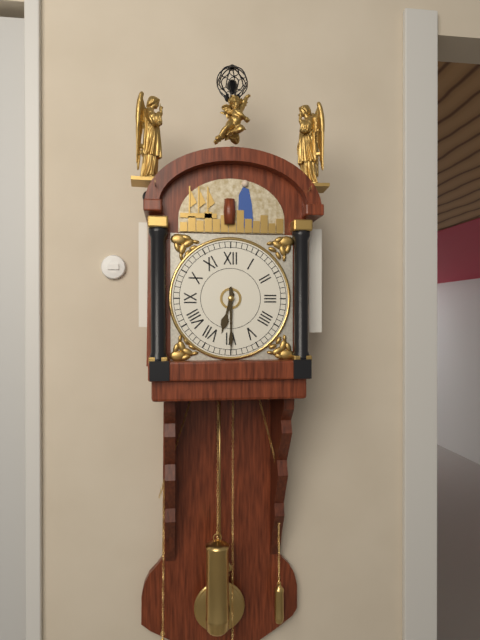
6:30
